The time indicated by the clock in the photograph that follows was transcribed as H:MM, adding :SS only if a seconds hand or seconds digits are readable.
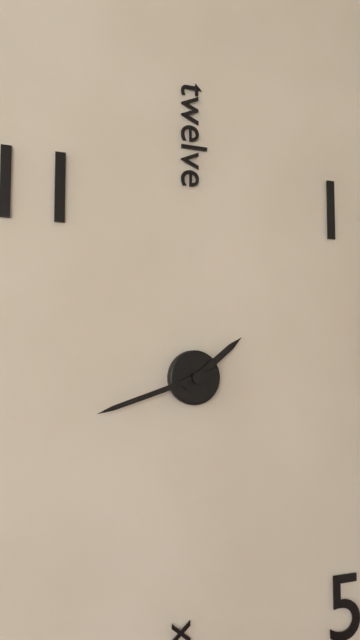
1:42
